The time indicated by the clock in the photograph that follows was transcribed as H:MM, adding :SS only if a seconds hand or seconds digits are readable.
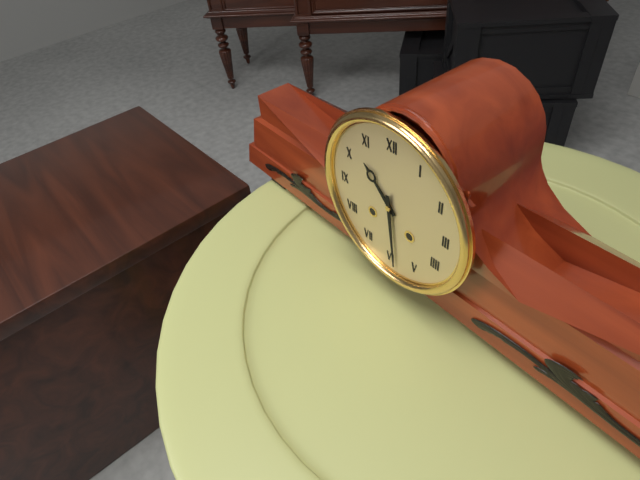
10:29
